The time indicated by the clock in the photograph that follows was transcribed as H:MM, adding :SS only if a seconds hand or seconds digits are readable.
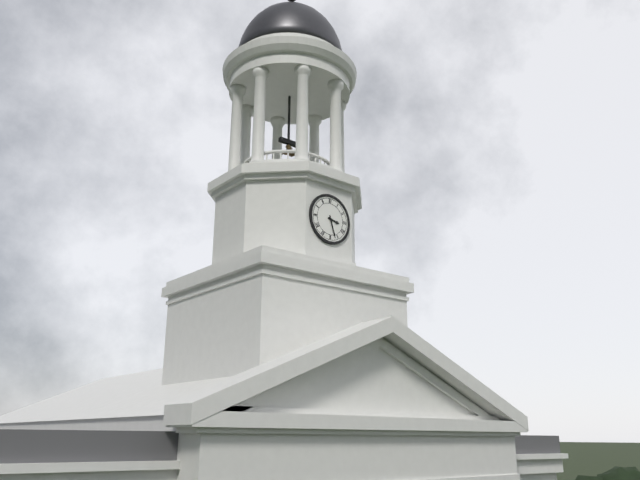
3:27
